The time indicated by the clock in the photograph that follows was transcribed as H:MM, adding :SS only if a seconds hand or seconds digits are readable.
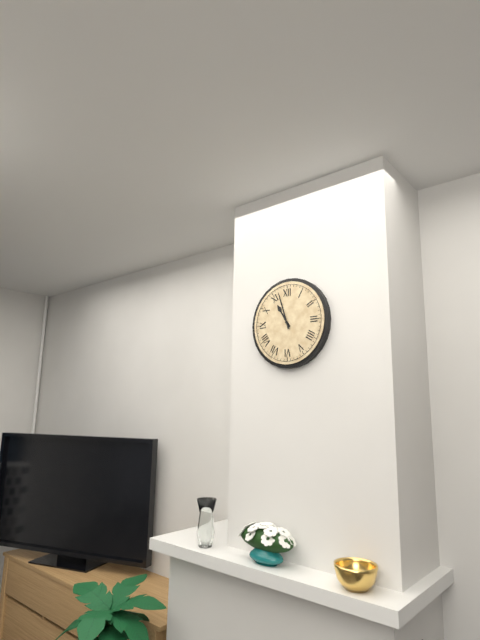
10:57
